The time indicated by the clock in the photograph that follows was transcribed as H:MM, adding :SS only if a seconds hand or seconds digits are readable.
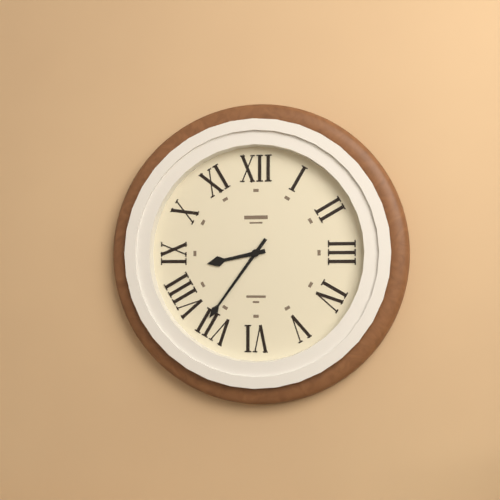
8:36
